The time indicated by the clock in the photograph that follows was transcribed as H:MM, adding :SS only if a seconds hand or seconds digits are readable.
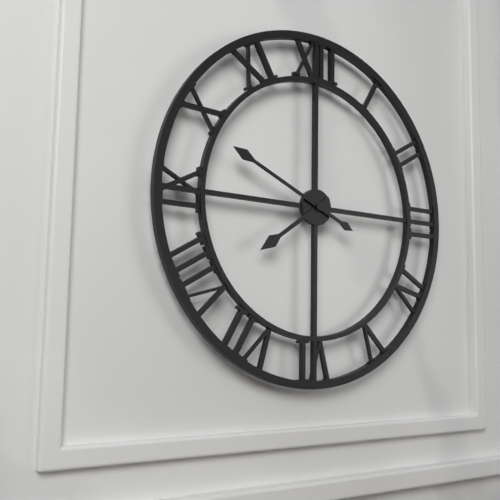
7:49
